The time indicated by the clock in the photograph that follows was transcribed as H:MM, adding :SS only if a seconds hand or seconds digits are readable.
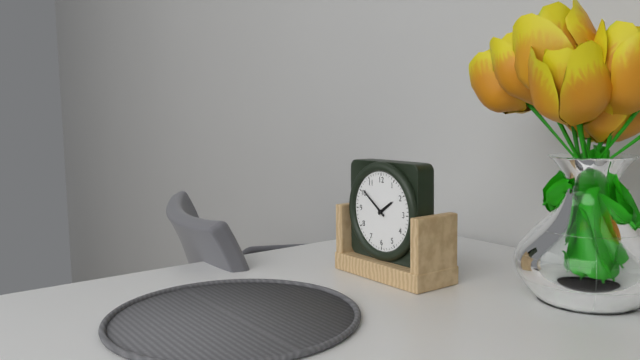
1:51
